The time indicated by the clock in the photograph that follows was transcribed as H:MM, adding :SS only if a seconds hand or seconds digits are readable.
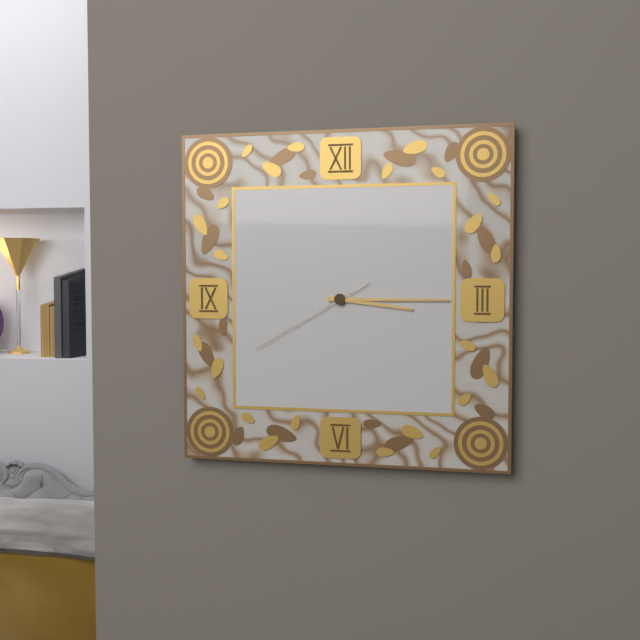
3:15:40
